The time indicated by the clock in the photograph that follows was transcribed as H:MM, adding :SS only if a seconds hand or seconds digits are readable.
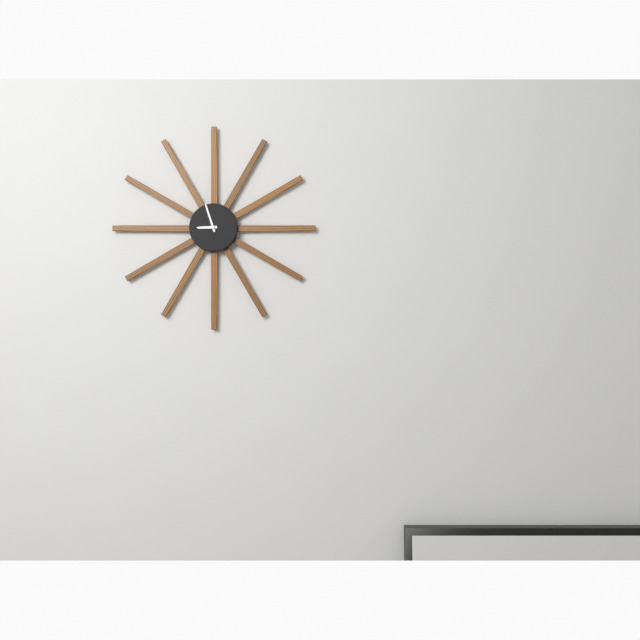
8:57
